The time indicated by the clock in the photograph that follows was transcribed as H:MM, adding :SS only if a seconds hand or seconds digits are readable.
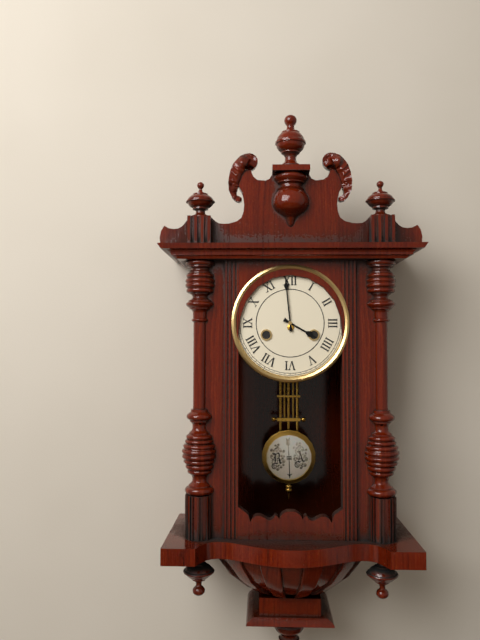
3:59
